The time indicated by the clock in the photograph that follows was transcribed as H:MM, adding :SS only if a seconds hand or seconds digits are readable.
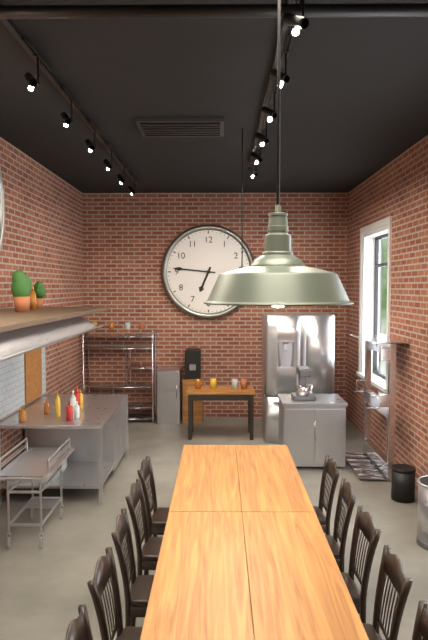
6:46
